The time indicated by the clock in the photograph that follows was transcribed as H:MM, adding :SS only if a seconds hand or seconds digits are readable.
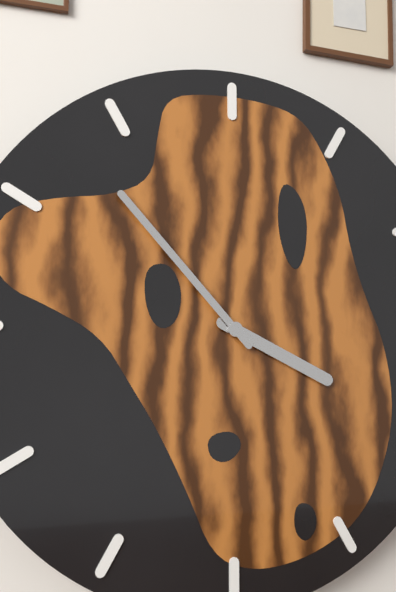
3:53
